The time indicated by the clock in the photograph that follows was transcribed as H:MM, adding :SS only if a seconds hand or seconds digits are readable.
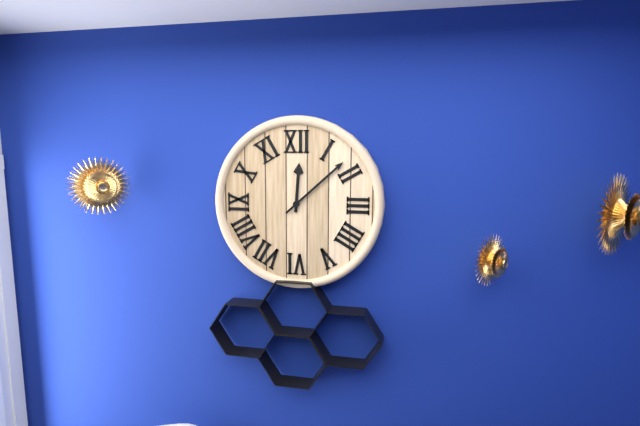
12:08
